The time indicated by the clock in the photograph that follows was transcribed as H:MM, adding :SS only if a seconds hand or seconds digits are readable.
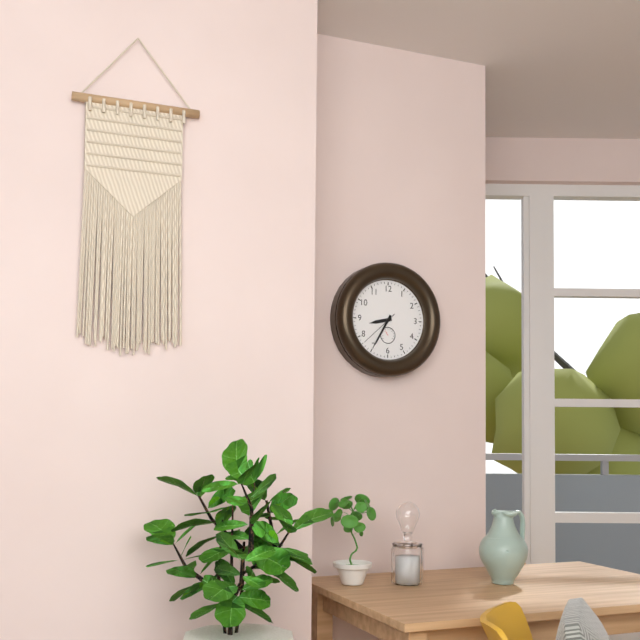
8:35
